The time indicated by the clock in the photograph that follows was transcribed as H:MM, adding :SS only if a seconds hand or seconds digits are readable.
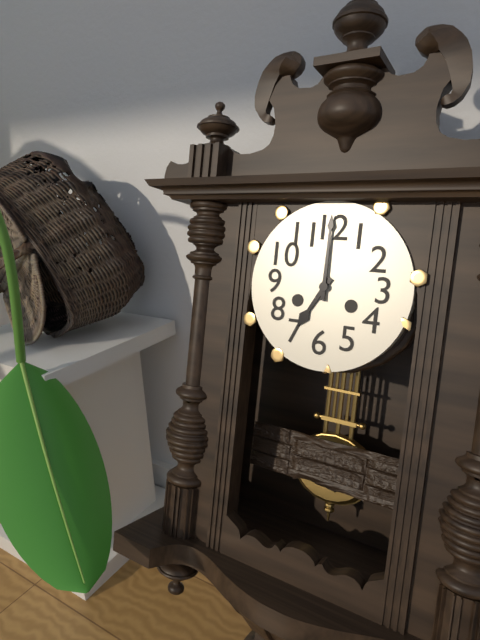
7:00
